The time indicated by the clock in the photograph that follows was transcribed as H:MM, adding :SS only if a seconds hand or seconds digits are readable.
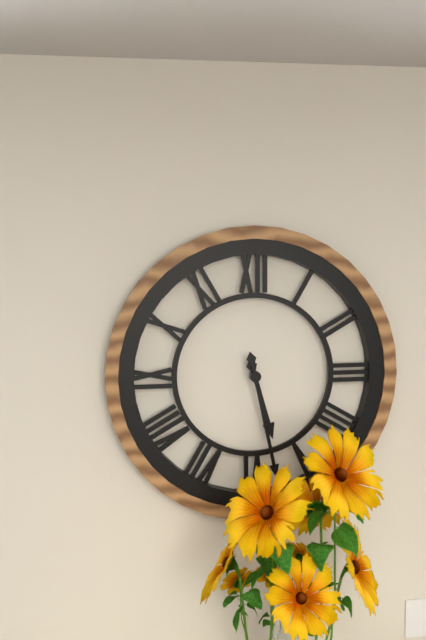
5:28
